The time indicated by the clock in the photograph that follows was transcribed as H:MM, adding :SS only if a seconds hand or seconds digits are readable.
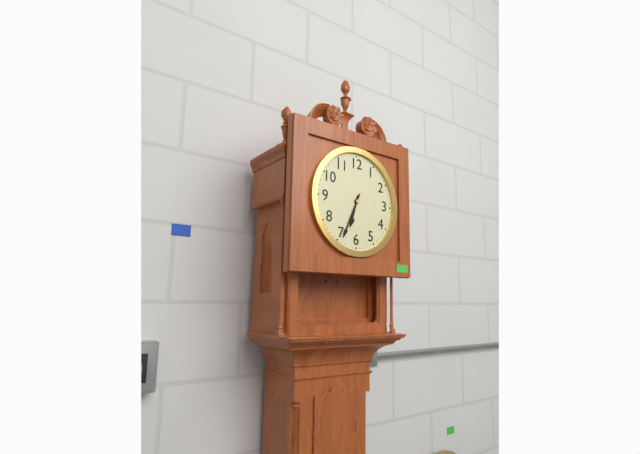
6:34
